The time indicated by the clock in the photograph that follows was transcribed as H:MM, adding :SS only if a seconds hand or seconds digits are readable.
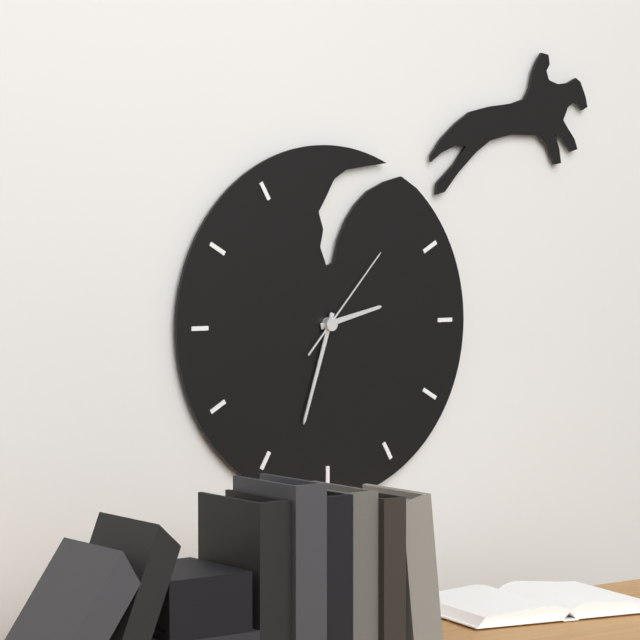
2:33:07
